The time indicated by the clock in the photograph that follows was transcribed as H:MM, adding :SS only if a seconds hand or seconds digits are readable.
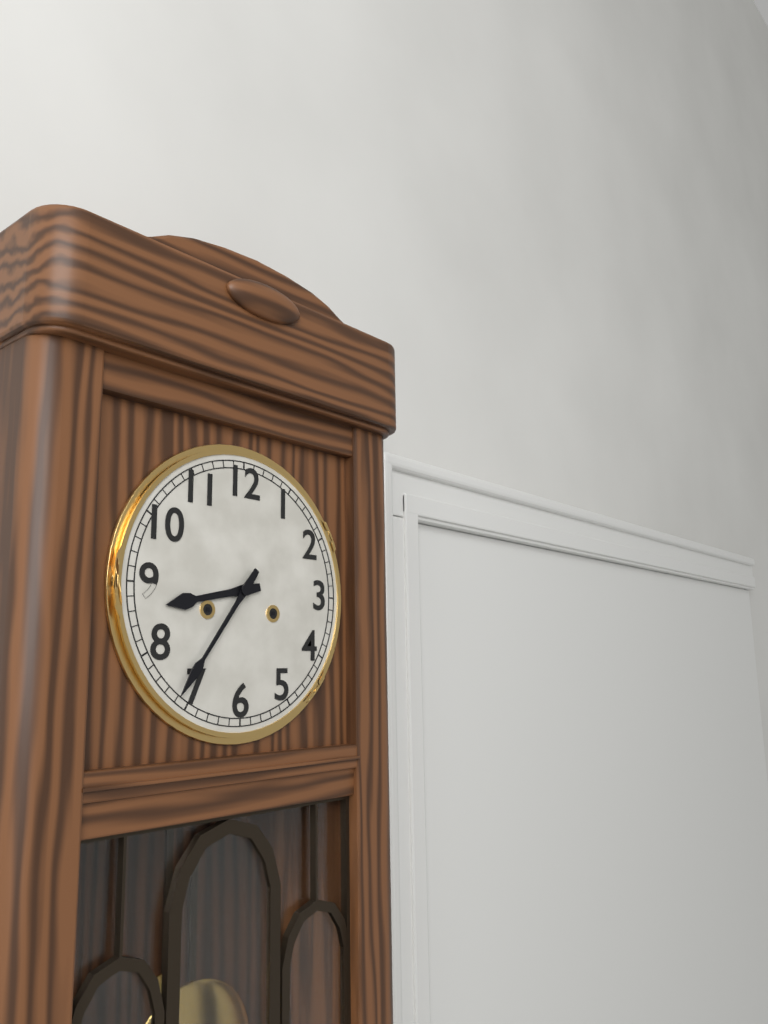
8:36
